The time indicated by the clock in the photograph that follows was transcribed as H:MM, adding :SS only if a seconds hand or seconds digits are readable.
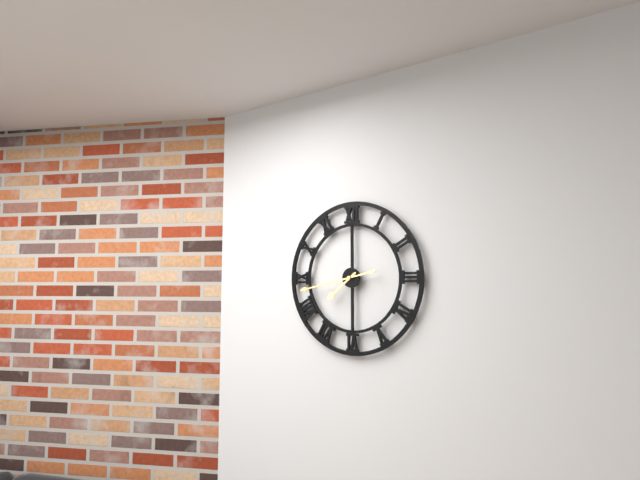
7:43
